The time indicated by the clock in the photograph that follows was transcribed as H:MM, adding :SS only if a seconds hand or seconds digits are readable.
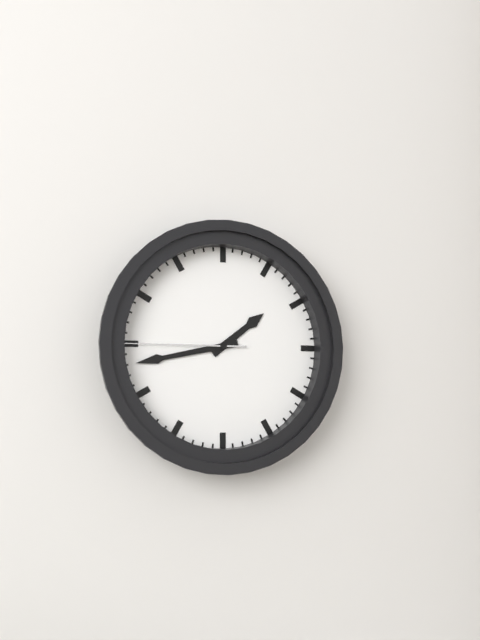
1:43:45
